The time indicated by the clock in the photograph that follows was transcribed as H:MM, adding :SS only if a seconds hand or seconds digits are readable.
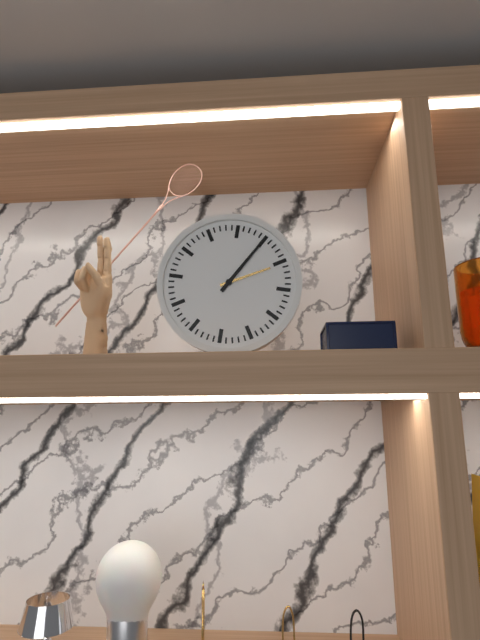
2:05
